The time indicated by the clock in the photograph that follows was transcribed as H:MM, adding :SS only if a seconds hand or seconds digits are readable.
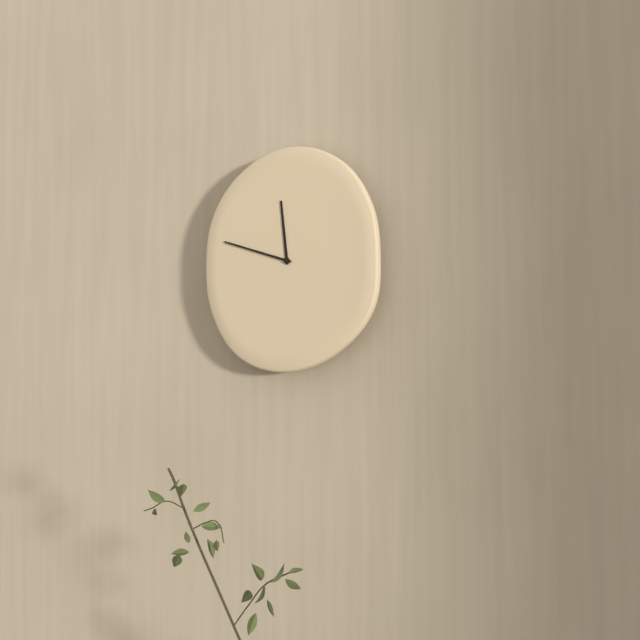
11:48
